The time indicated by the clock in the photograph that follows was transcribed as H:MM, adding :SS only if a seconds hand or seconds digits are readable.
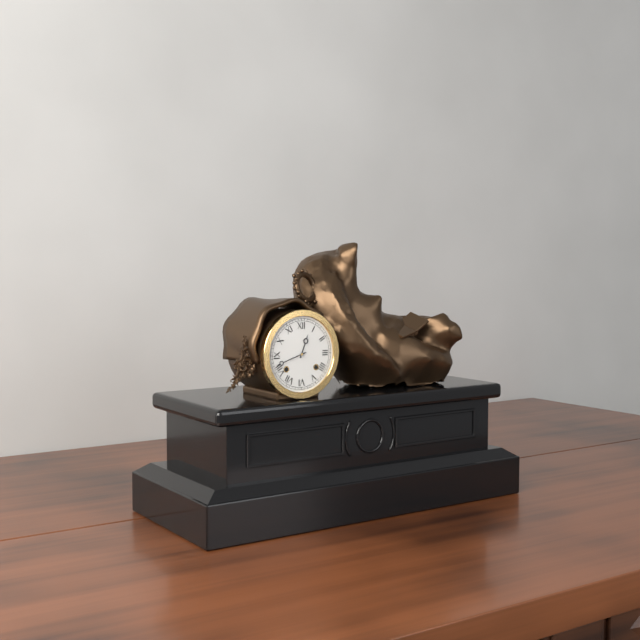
12:42
